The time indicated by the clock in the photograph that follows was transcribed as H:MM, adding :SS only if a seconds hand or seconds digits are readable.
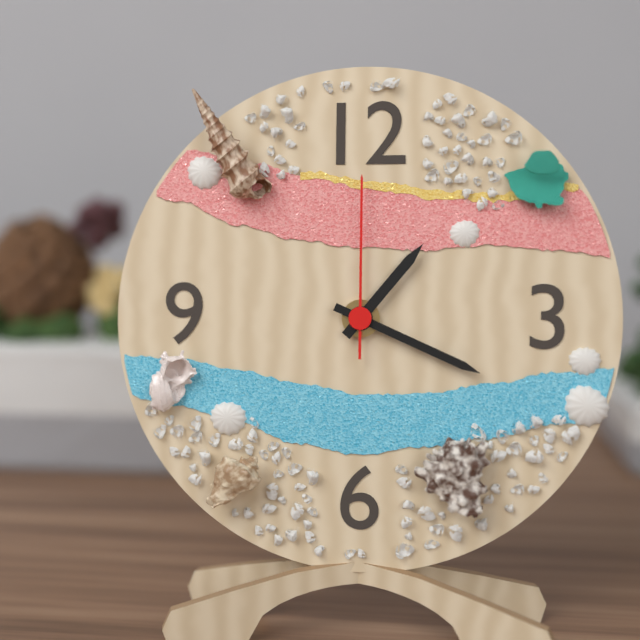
1:19:00
